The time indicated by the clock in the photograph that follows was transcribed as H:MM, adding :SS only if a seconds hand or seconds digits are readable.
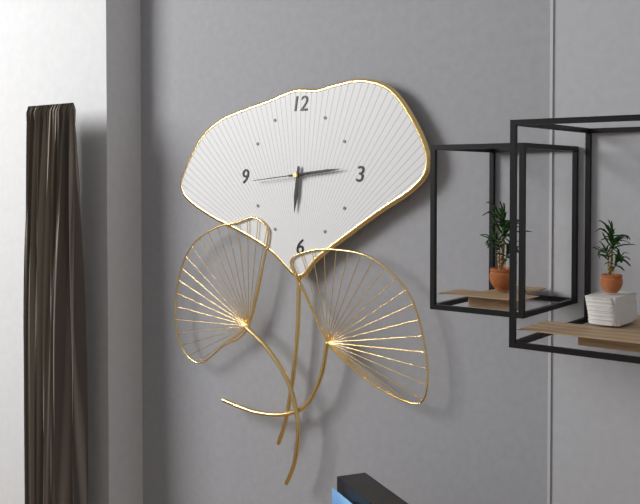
6:14:44
